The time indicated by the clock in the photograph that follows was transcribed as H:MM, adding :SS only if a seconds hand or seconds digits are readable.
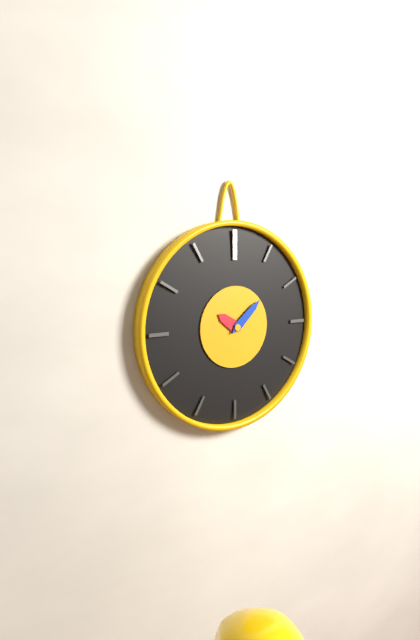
10:08
